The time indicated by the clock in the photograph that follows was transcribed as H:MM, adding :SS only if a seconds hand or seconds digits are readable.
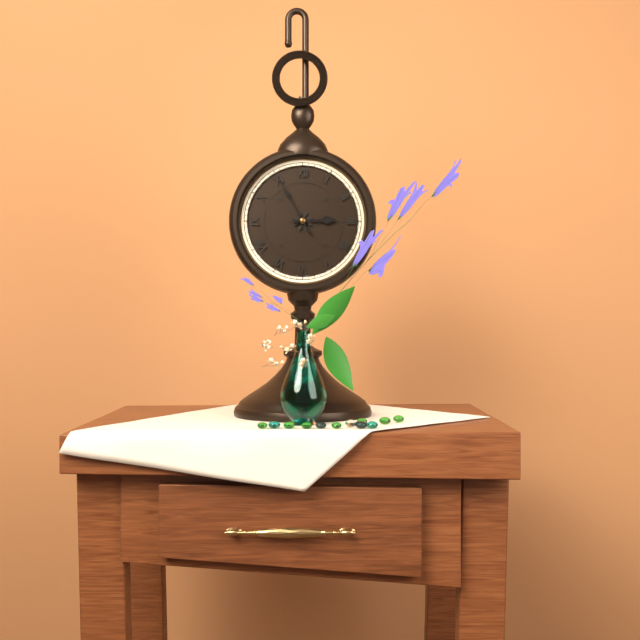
2:55
